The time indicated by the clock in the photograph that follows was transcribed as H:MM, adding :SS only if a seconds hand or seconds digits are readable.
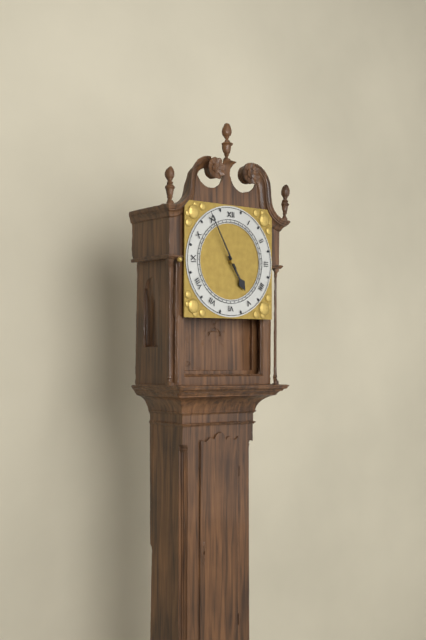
4:55
